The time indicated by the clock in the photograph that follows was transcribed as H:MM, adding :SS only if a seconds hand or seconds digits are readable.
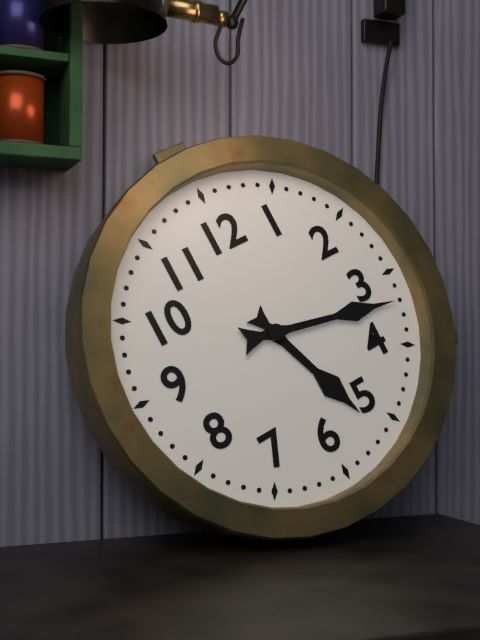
5:17
